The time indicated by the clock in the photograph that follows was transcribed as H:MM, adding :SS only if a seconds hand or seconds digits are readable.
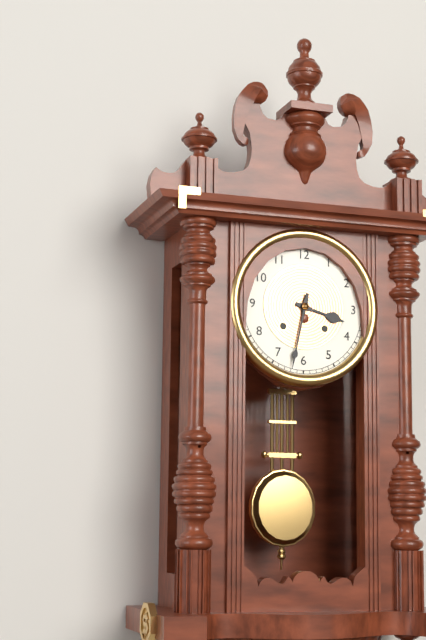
3:32
